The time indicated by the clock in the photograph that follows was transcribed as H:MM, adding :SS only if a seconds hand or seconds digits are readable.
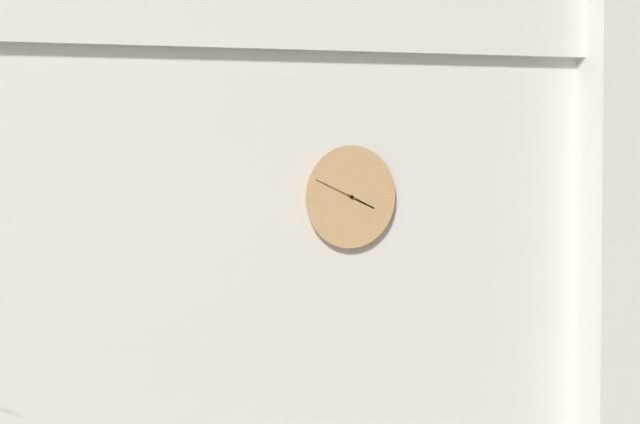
3:49
